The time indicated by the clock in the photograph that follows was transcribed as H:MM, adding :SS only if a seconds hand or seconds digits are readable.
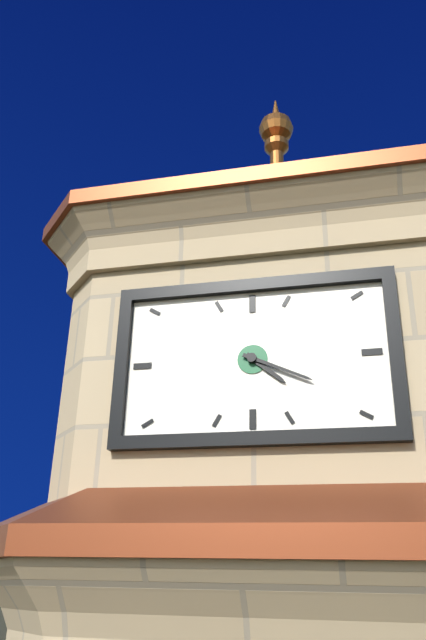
4:19
